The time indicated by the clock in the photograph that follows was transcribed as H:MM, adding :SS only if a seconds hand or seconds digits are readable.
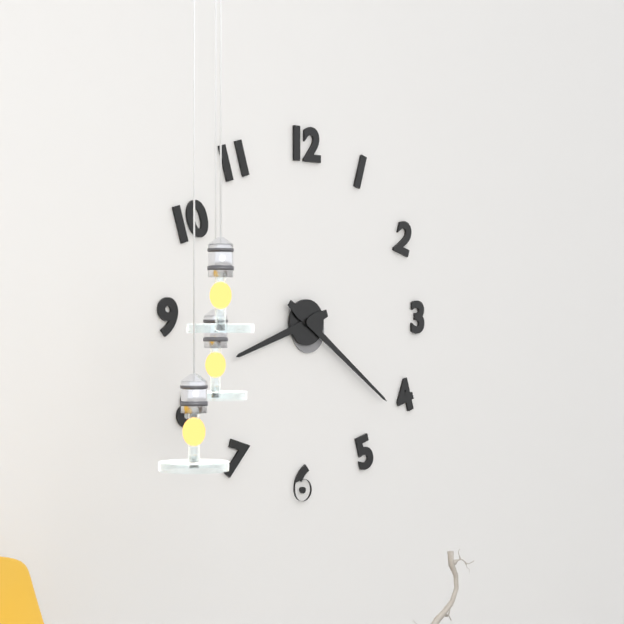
8:21
